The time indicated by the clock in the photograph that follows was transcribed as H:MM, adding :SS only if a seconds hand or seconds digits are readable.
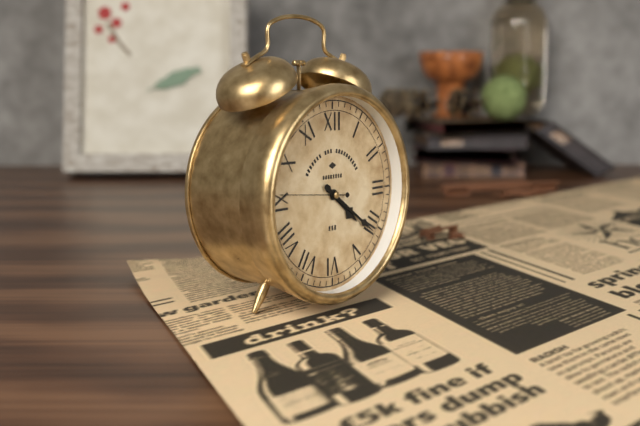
4:21:46
